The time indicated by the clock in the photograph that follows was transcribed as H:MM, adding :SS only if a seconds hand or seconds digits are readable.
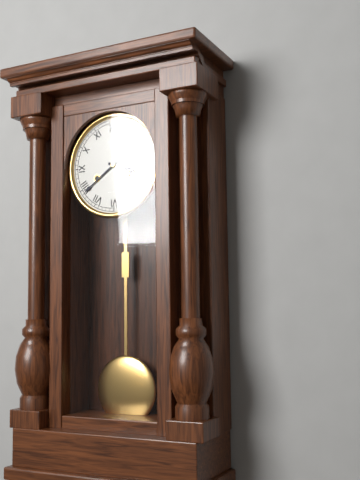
3:39
